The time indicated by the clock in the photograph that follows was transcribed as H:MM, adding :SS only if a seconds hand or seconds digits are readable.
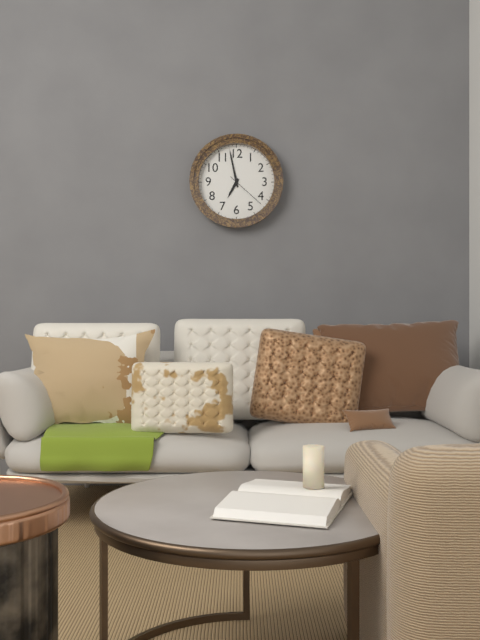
6:58
